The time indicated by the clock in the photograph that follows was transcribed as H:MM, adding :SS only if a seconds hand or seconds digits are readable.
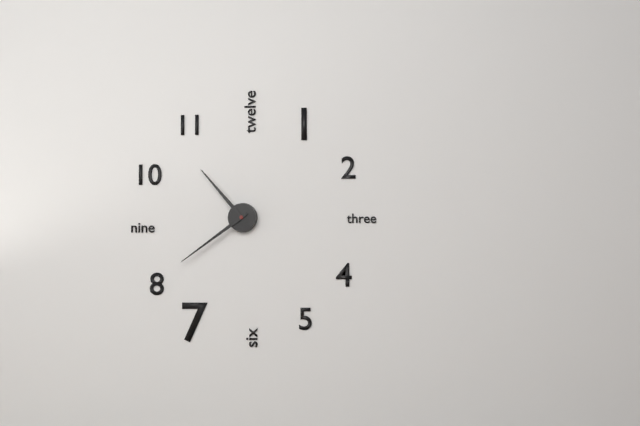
10:39
